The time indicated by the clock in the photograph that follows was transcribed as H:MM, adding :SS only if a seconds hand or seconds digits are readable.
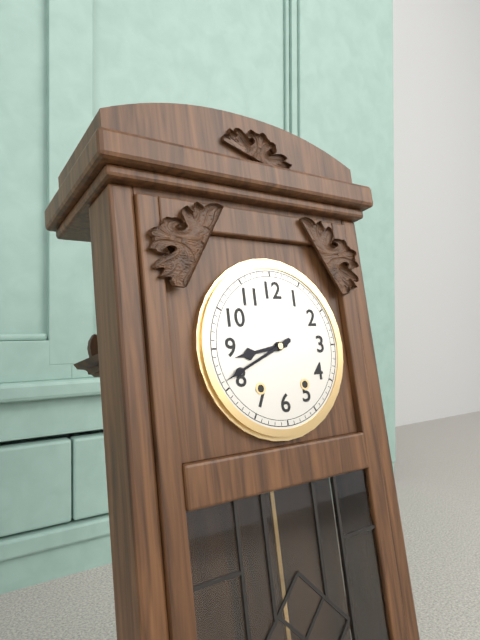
8:41
